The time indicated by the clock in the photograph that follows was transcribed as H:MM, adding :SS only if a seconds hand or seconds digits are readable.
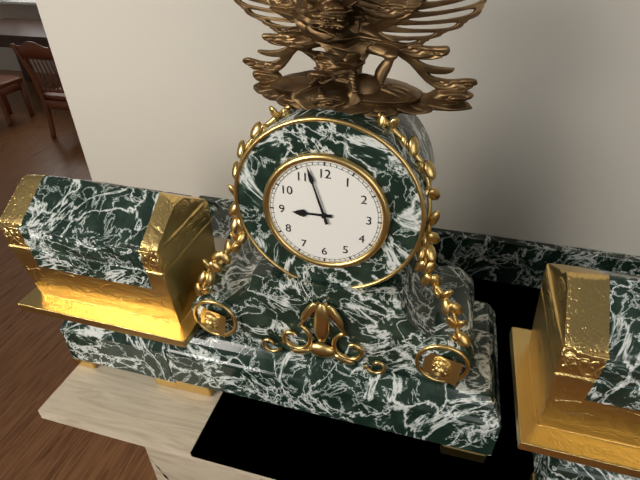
8:57
